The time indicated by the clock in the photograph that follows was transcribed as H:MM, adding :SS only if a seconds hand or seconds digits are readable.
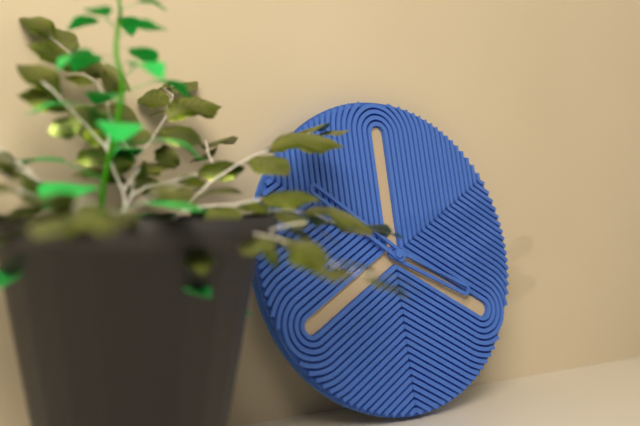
3:51
